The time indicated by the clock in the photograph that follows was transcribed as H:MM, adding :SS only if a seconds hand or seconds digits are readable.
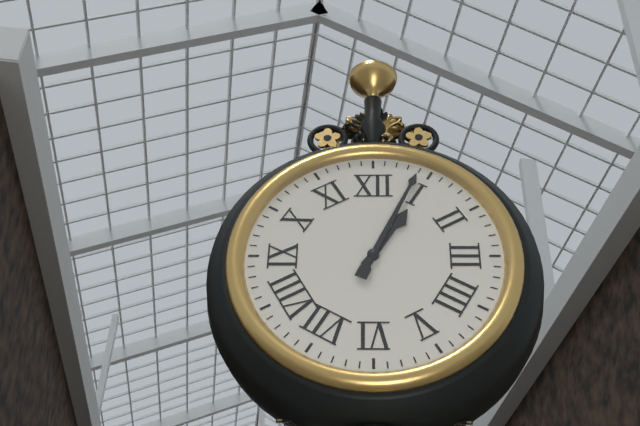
1:04
